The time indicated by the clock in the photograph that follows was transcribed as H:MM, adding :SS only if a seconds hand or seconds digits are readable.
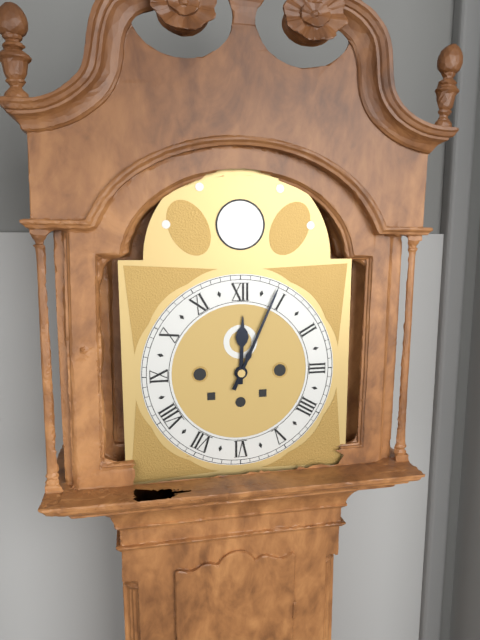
12:04
